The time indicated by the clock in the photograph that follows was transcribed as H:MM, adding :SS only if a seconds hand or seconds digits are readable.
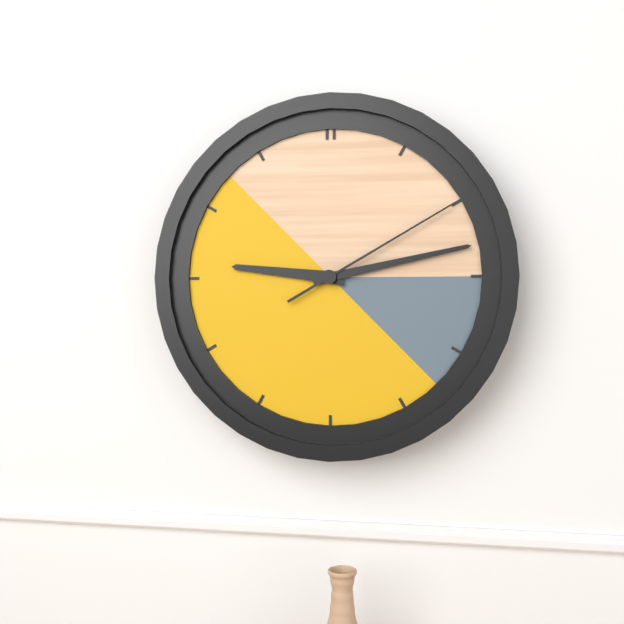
9:13:10
